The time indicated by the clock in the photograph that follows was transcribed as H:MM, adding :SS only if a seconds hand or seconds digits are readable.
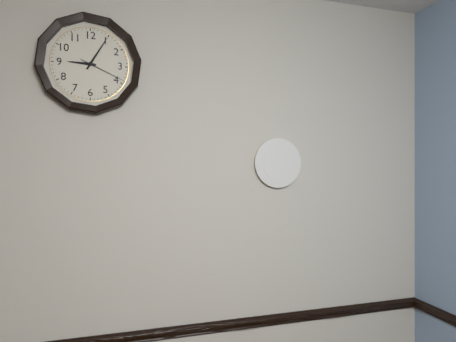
9:05
